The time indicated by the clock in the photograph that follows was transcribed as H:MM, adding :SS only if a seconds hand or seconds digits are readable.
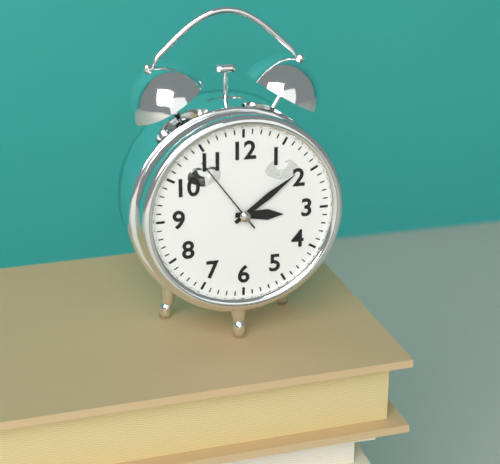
3:09:54
